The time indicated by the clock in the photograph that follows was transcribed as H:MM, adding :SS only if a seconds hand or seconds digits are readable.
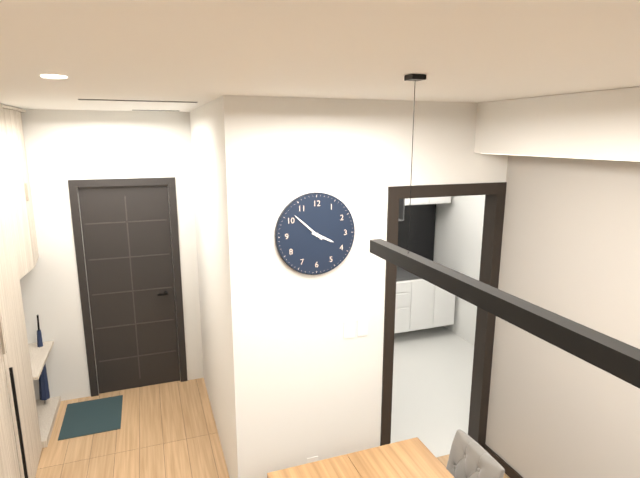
3:52
